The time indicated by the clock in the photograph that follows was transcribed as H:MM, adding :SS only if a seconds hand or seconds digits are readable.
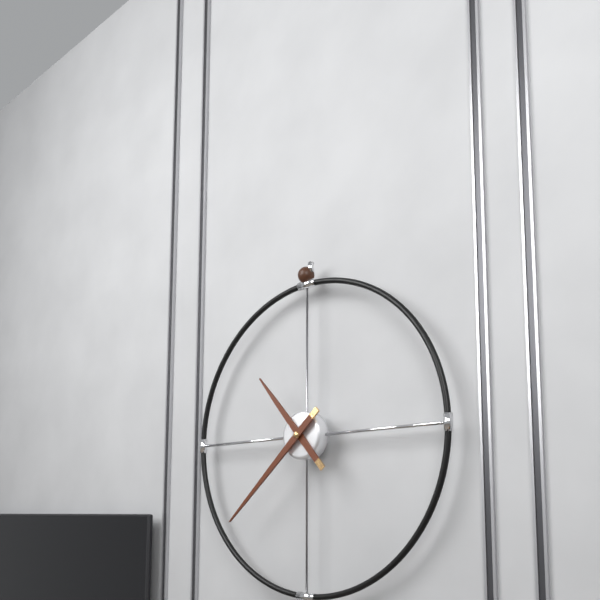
10:38
